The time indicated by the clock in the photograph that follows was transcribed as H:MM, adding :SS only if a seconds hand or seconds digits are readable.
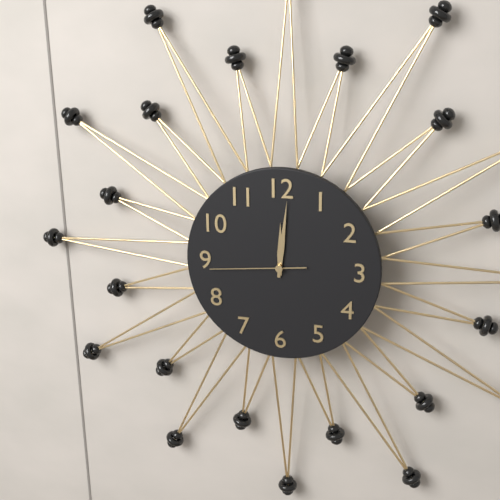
12:01:44
